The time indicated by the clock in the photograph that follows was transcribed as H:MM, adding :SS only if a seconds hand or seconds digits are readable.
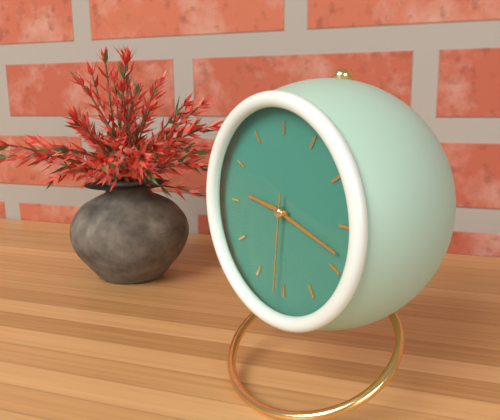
9:18:31
